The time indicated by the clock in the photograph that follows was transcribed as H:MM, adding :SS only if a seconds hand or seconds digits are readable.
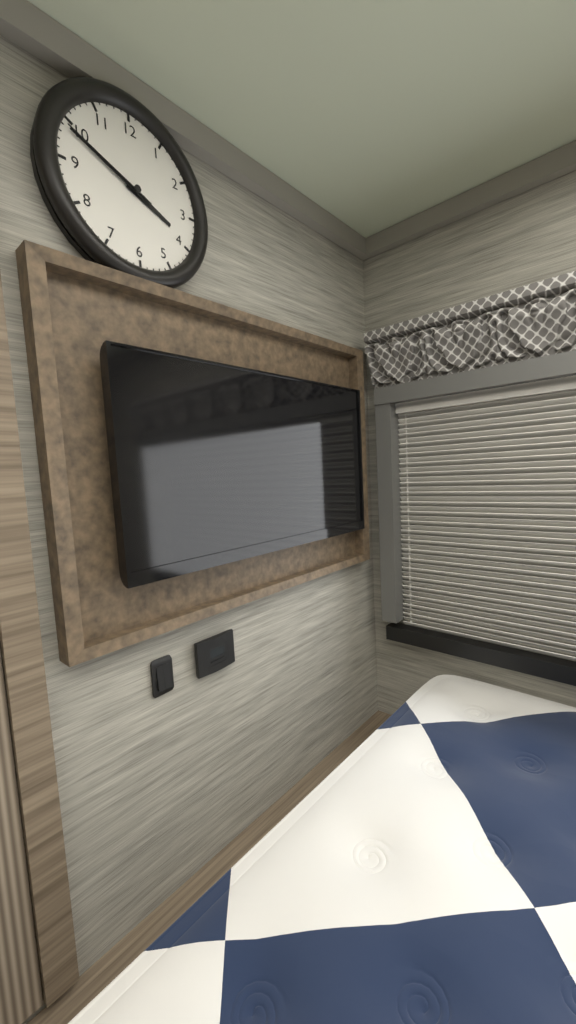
3:49:49
